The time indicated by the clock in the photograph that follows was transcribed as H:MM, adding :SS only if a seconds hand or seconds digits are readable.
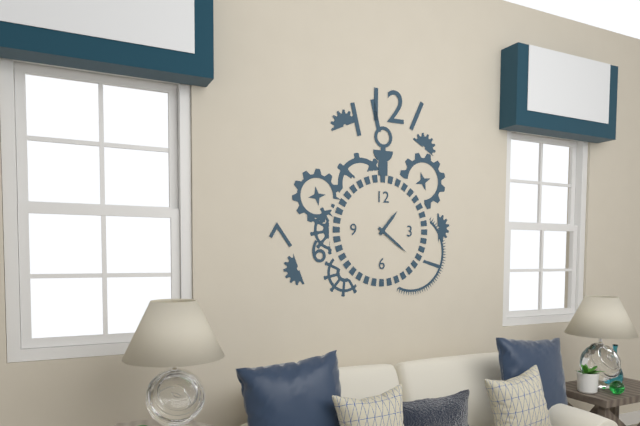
1:21
